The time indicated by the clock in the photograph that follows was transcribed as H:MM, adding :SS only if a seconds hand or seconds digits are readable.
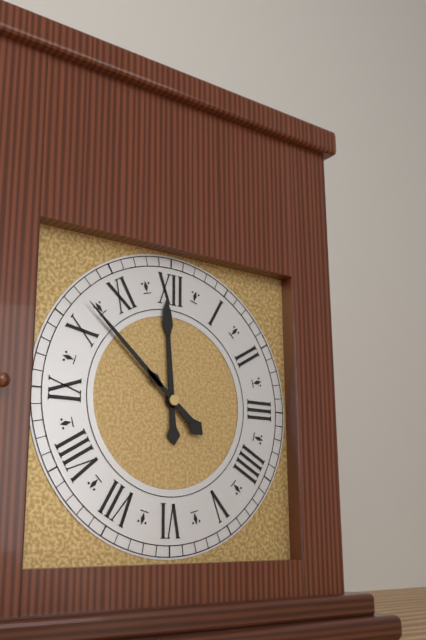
11:52
